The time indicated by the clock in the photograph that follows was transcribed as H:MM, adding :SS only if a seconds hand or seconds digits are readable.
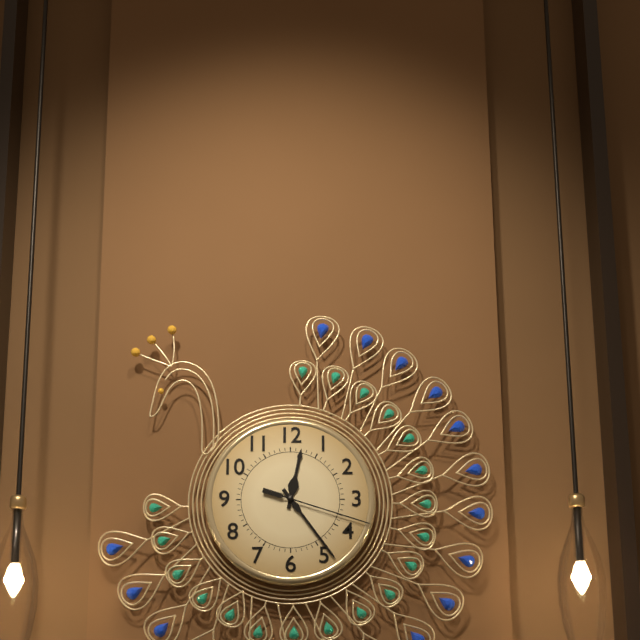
12:24:18
